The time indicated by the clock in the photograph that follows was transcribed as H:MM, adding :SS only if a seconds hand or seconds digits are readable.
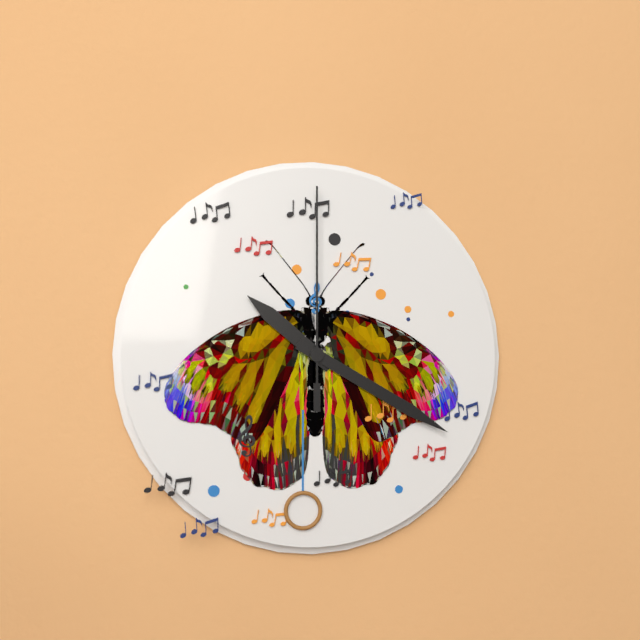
10:20:00
